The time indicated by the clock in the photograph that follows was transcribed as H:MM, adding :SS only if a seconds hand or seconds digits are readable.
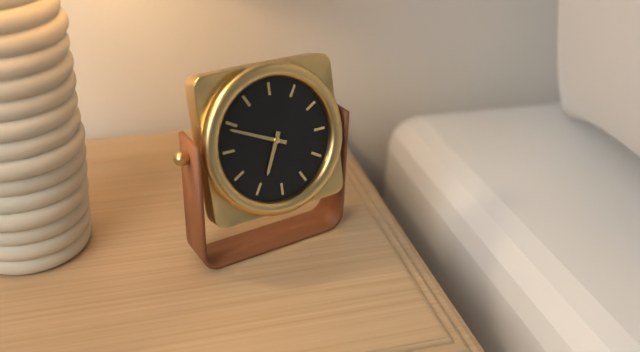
6:49
